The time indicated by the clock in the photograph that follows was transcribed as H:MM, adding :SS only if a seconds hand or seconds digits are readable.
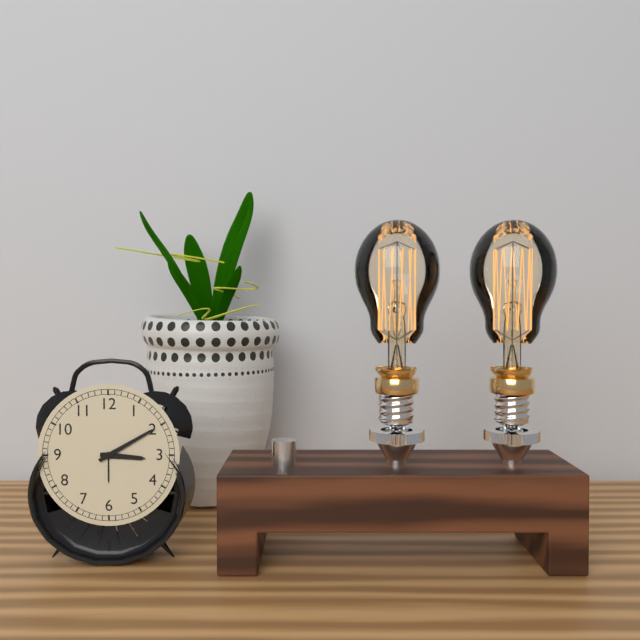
3:10
